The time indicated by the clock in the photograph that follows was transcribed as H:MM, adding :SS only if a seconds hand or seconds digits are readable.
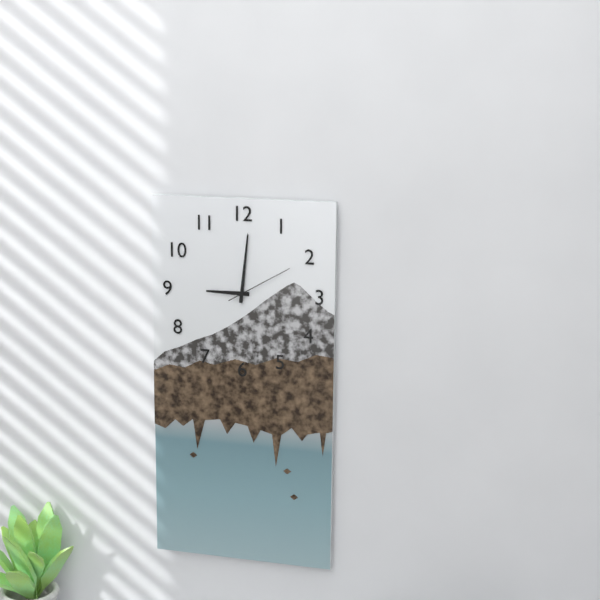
9:01:10
